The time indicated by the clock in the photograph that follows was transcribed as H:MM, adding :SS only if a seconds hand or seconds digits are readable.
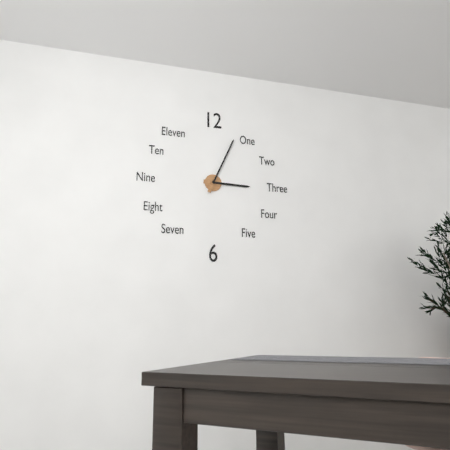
3:04
